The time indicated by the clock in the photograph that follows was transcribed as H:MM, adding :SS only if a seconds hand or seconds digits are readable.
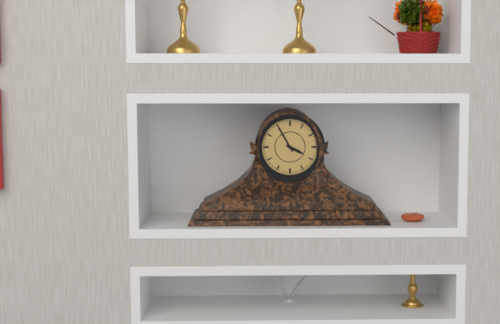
3:55
